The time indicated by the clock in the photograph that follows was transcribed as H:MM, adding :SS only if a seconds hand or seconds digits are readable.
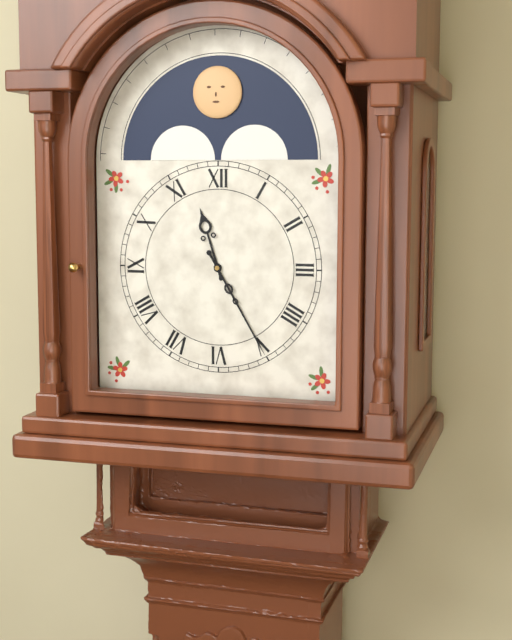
11:25
